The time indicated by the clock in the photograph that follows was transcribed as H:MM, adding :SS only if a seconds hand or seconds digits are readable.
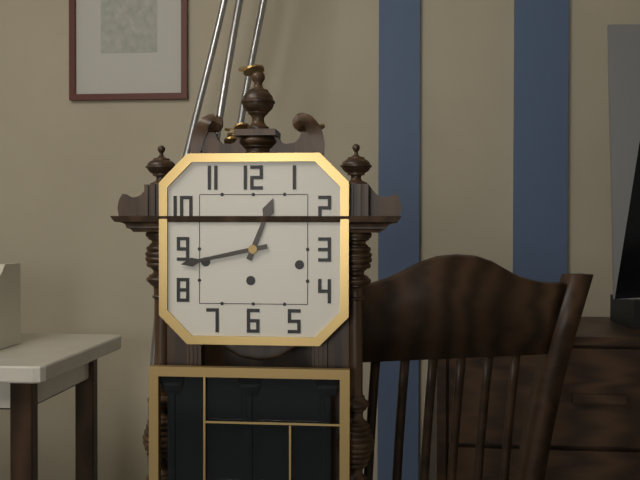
12:43
